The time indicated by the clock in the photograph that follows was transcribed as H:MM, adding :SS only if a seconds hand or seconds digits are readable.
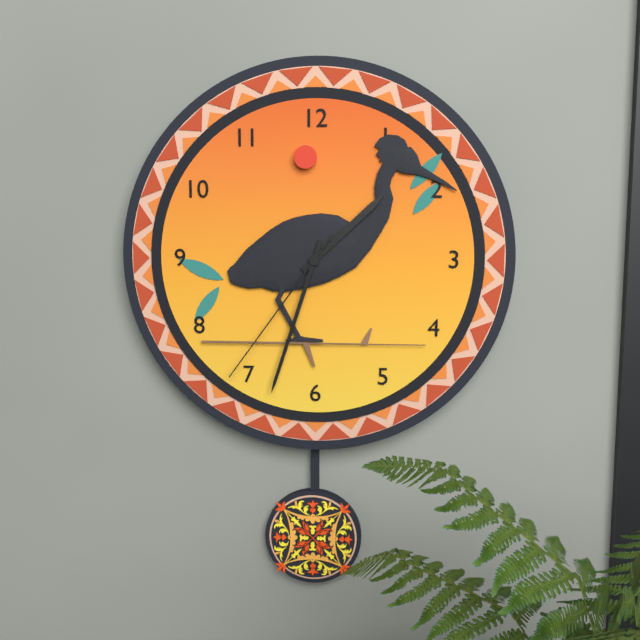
1:33:36
